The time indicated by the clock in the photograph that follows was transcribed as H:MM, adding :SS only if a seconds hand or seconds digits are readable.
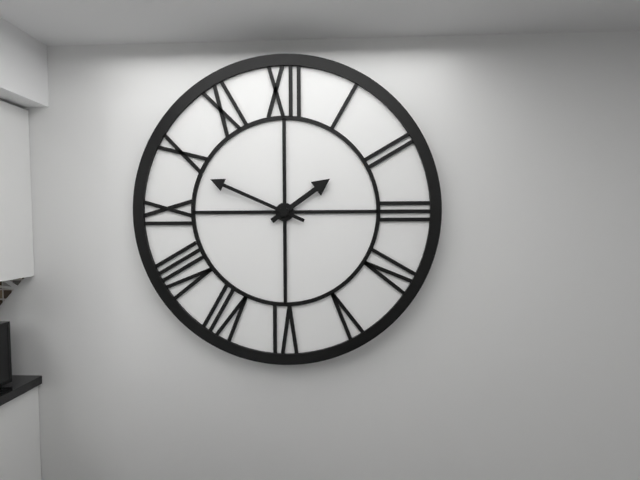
1:49
